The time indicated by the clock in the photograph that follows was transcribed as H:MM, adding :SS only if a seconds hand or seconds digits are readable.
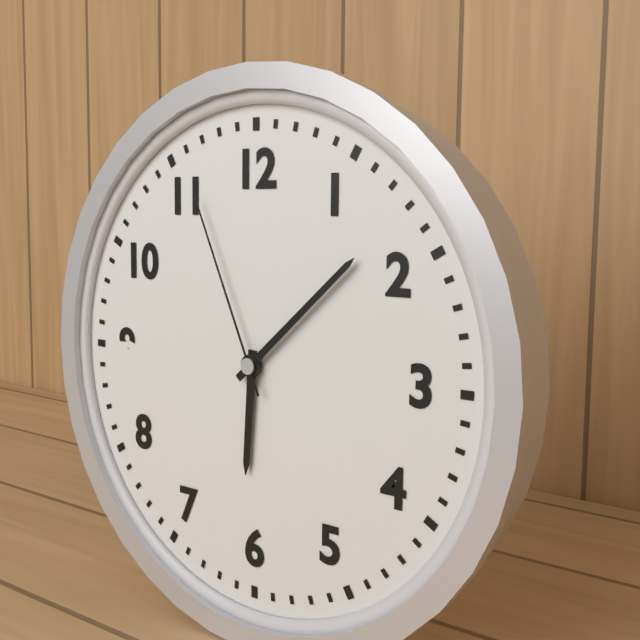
6:08:56
